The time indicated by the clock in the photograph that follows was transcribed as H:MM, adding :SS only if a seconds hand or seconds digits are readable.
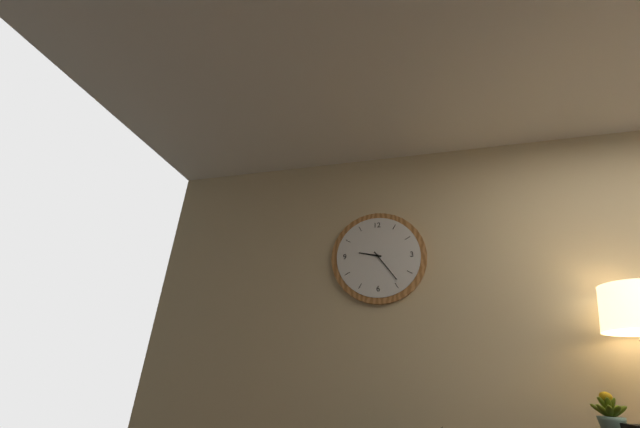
9:24
